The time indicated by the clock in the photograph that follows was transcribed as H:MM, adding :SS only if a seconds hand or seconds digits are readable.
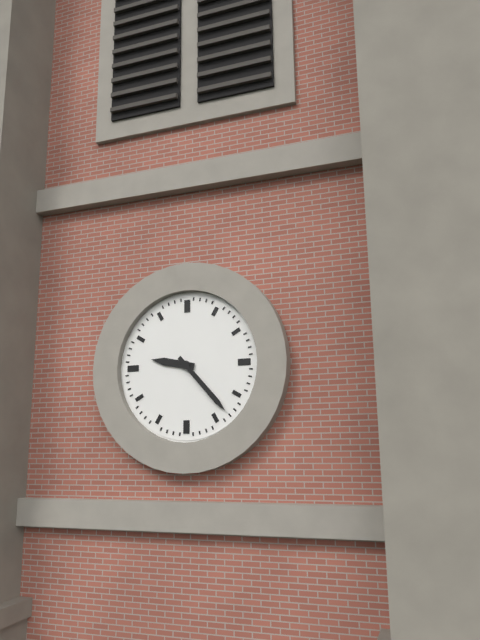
9:23
